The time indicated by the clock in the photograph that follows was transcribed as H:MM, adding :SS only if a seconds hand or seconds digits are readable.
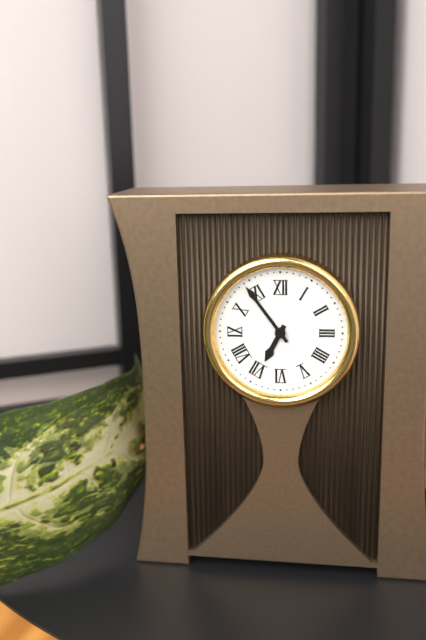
6:54
